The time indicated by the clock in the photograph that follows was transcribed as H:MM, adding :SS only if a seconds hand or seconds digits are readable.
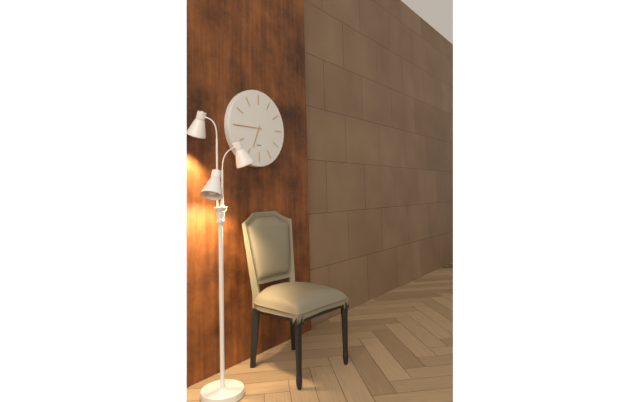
6:45
